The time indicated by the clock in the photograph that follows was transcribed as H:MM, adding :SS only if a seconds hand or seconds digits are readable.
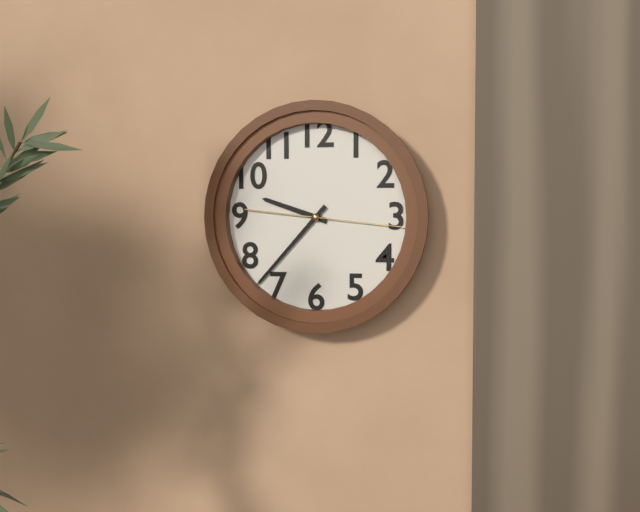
9:37:16
